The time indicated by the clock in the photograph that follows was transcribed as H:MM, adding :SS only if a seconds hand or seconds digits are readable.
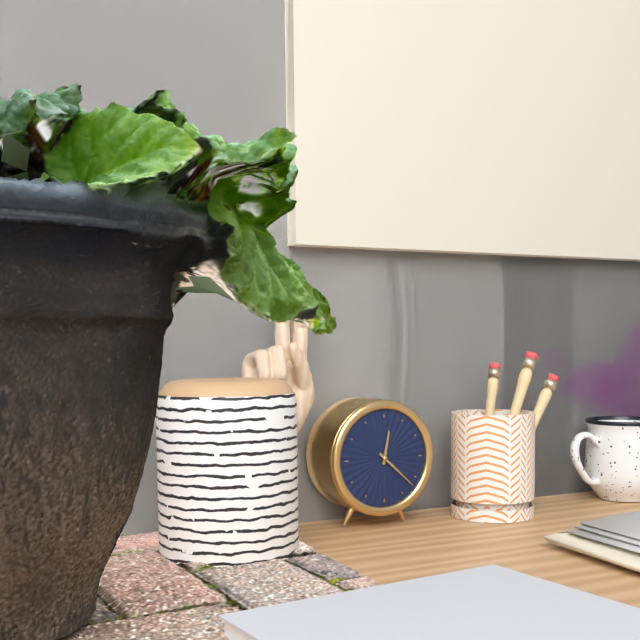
12:22
